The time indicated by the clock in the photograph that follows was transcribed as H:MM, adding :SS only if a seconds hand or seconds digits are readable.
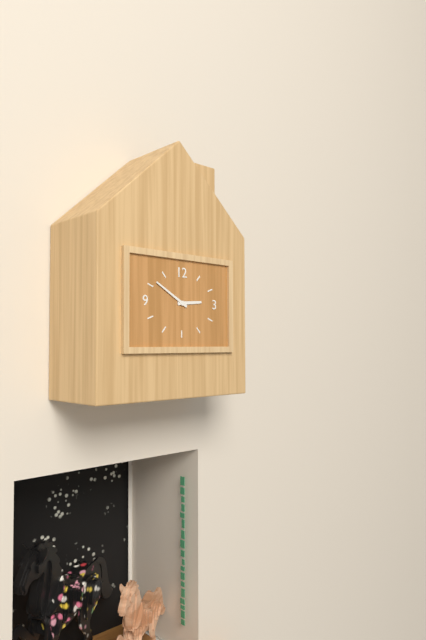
2:50
